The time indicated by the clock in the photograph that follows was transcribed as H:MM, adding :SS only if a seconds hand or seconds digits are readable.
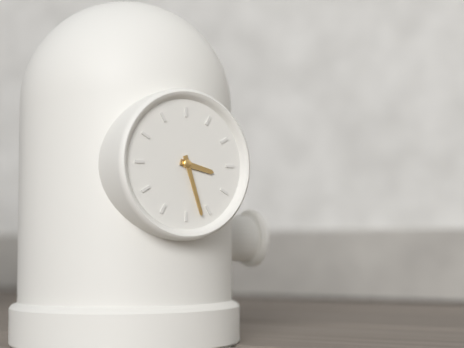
3:27
